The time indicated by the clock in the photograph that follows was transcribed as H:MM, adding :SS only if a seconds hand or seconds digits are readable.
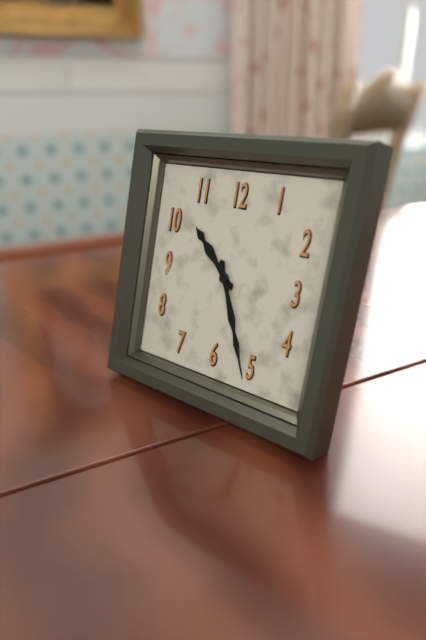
10:26
